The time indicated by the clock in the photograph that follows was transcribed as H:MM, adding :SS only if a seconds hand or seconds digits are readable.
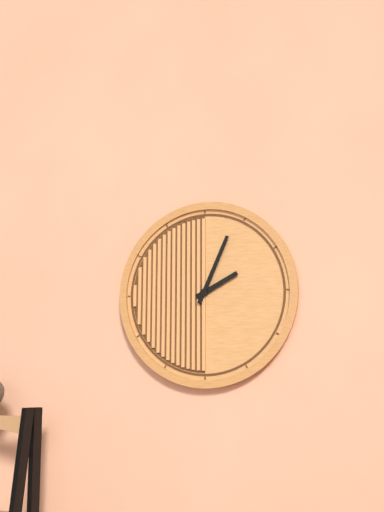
2:04
